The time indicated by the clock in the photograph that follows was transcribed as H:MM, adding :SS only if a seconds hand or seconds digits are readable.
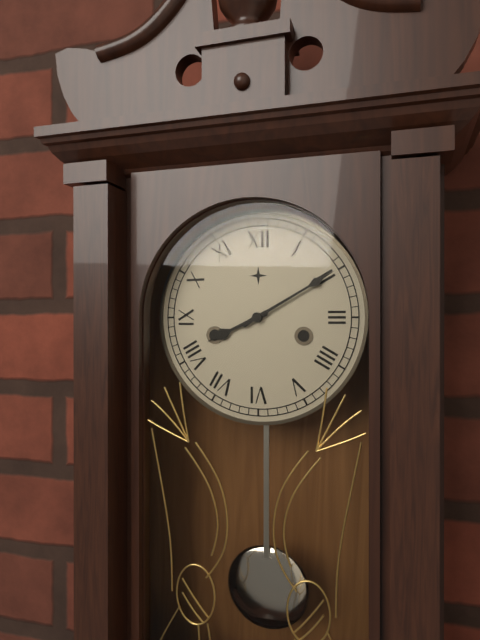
8:10
